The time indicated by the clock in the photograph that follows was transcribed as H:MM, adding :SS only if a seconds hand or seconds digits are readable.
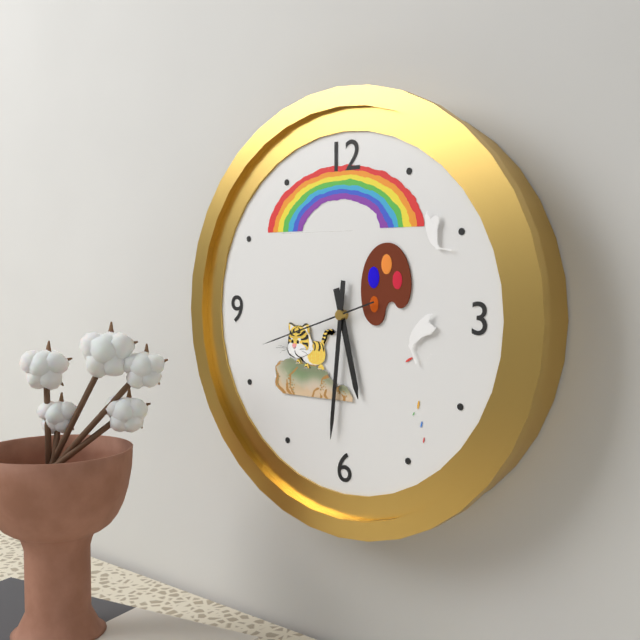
5:31:42
